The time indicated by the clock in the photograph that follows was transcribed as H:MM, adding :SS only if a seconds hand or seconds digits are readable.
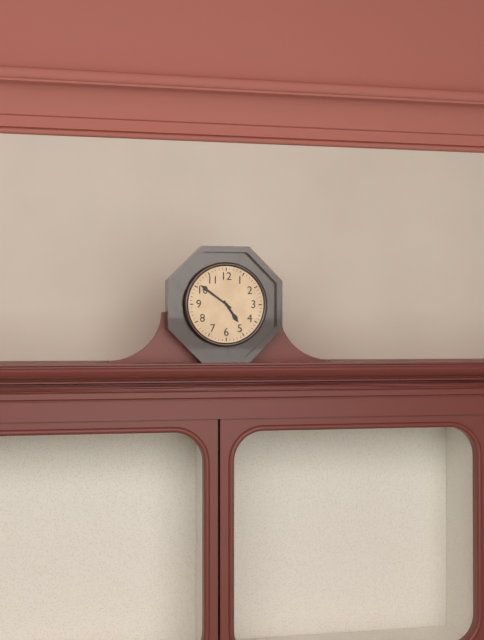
4:51
